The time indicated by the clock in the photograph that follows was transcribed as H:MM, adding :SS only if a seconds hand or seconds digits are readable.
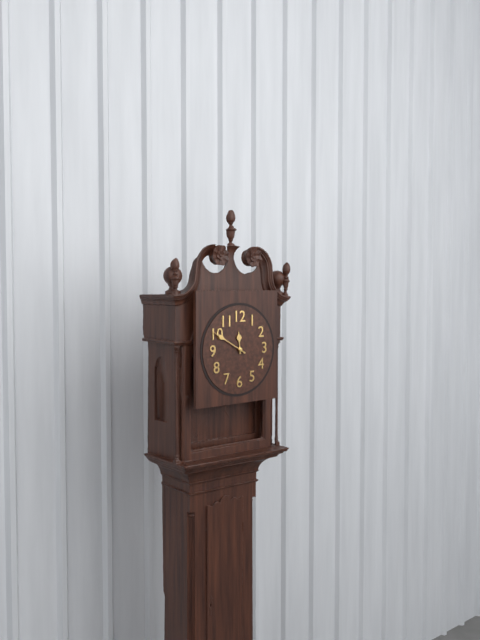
11:50
